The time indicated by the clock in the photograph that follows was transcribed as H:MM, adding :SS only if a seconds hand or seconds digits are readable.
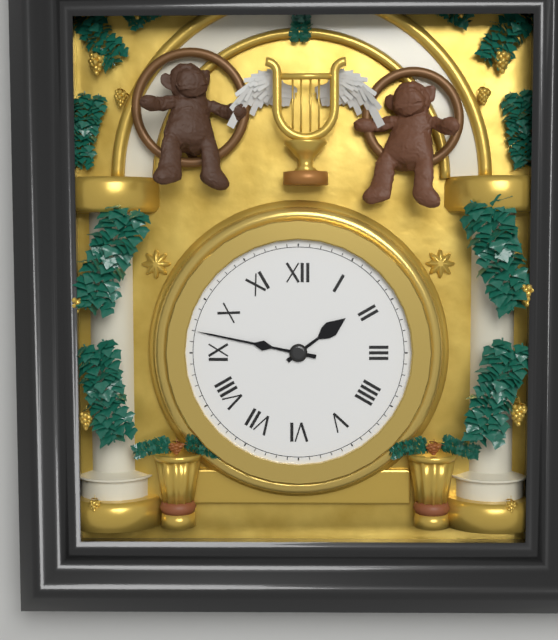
1:47
